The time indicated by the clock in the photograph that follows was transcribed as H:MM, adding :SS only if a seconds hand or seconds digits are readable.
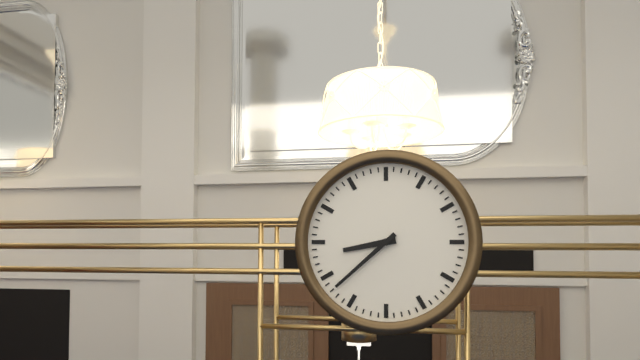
8:38
